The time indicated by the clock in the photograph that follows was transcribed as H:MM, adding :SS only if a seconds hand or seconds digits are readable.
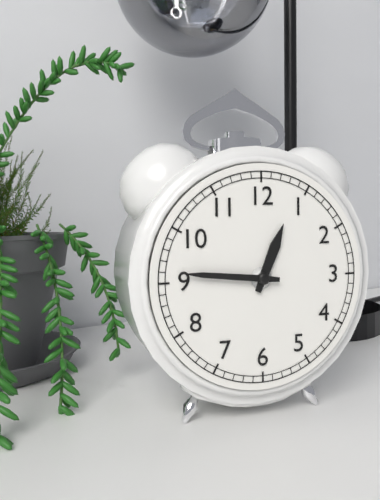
12:46
